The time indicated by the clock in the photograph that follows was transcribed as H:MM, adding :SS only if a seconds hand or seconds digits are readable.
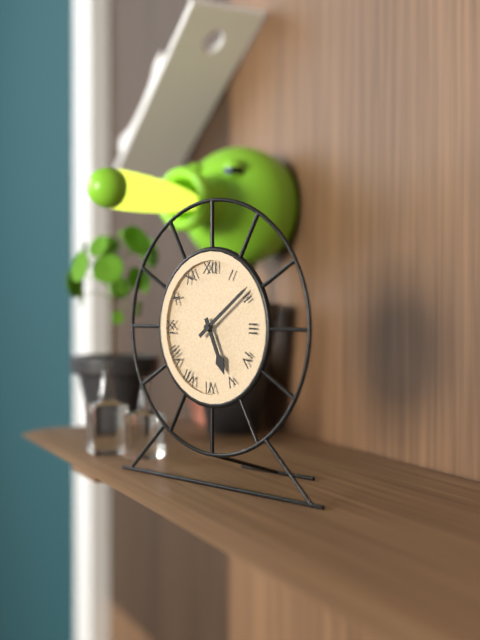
5:09
